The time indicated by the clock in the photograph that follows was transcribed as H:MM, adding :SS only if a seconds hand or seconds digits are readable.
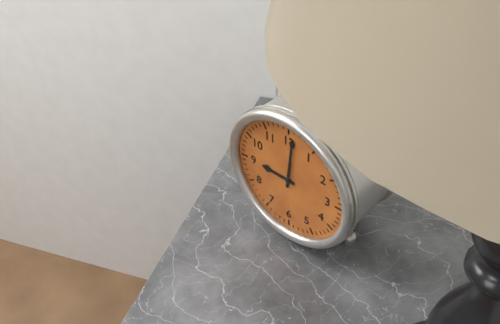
9:01
